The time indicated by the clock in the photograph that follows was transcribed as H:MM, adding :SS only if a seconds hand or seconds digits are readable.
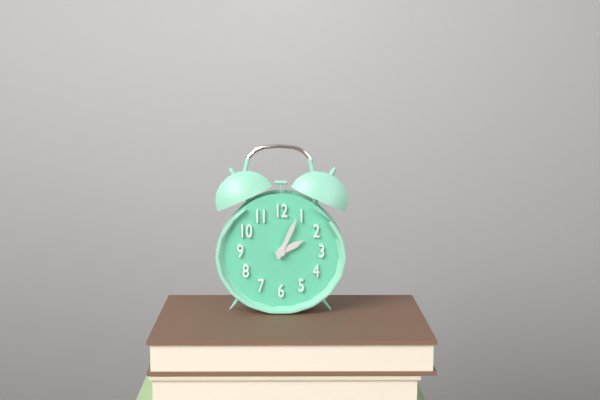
2:04
